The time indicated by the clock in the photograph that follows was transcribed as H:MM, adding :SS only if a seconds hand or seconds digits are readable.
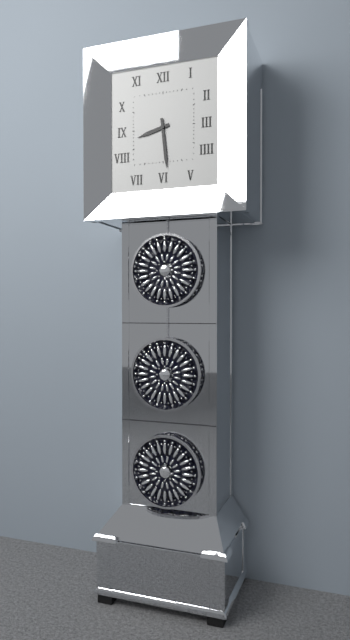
8:29
